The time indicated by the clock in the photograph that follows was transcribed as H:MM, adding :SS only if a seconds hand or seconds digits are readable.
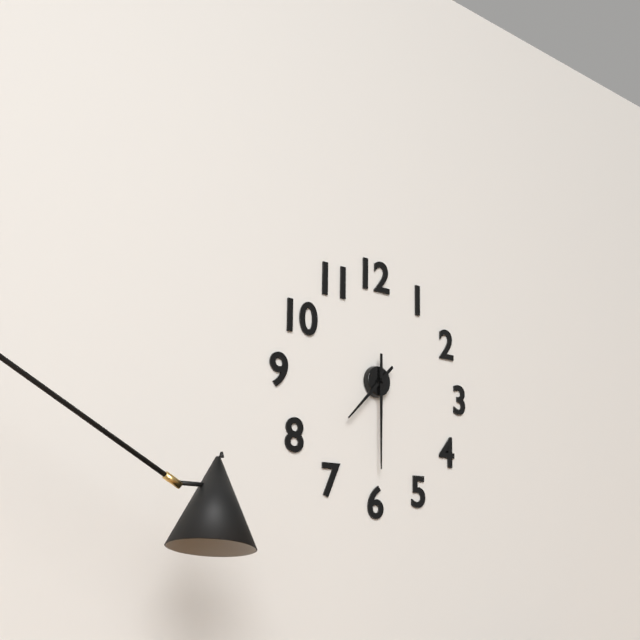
7:30
